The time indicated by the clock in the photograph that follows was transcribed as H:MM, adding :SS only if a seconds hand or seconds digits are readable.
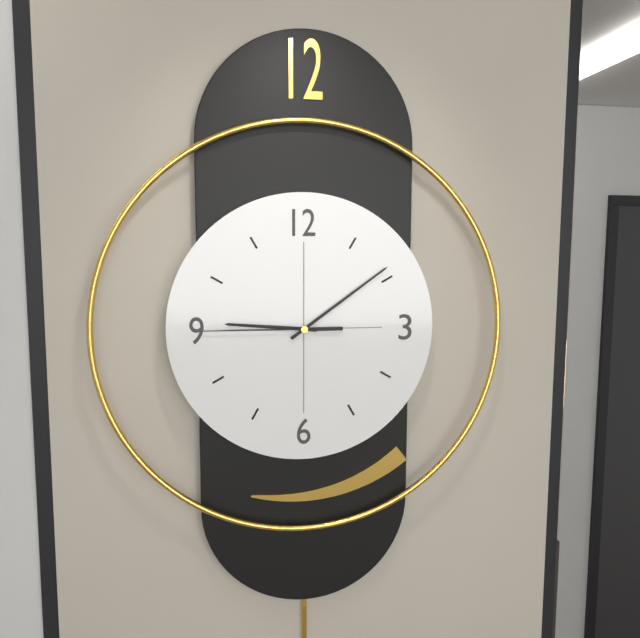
9:09:45
